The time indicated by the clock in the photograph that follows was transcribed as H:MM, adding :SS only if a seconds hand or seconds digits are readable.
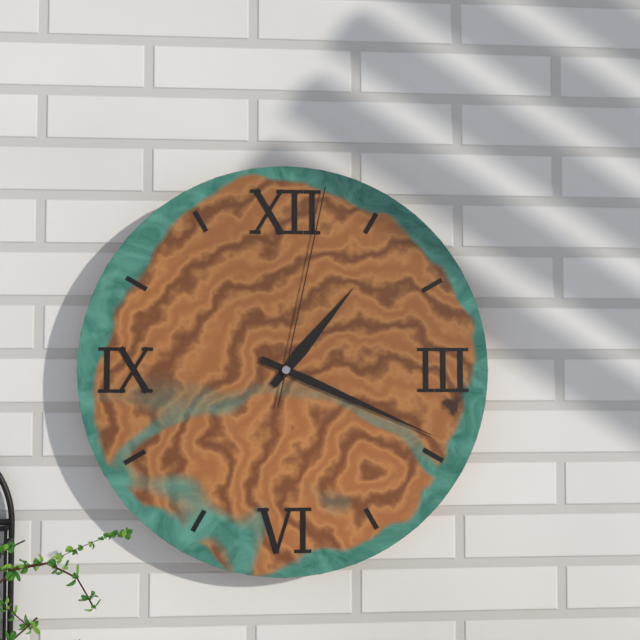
1:19:02
